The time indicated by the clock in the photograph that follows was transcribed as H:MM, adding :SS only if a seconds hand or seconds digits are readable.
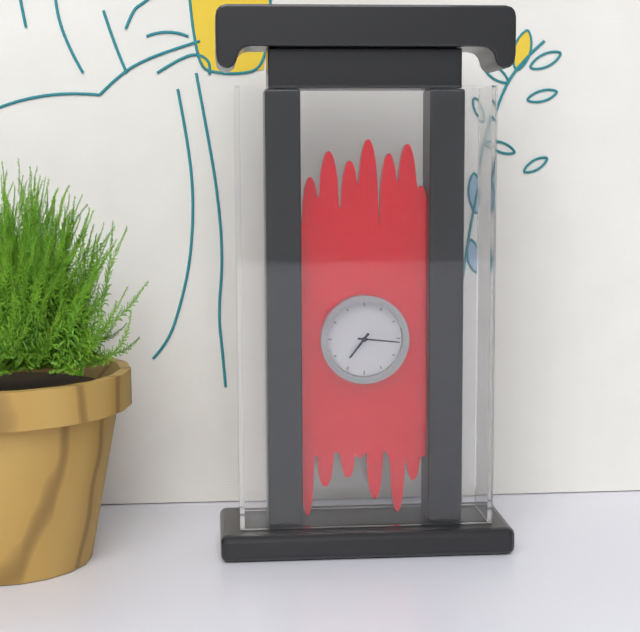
7:16
